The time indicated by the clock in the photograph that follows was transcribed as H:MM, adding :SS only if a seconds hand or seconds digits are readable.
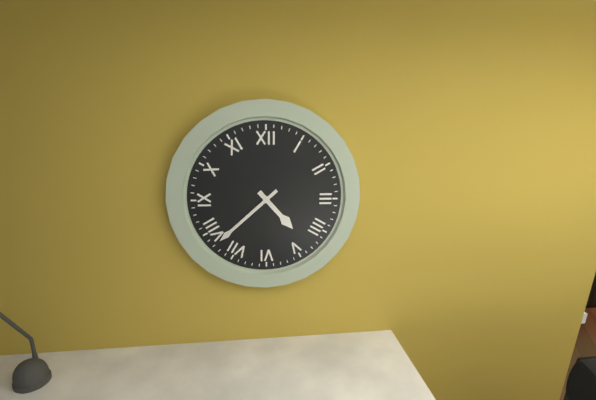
4:38
